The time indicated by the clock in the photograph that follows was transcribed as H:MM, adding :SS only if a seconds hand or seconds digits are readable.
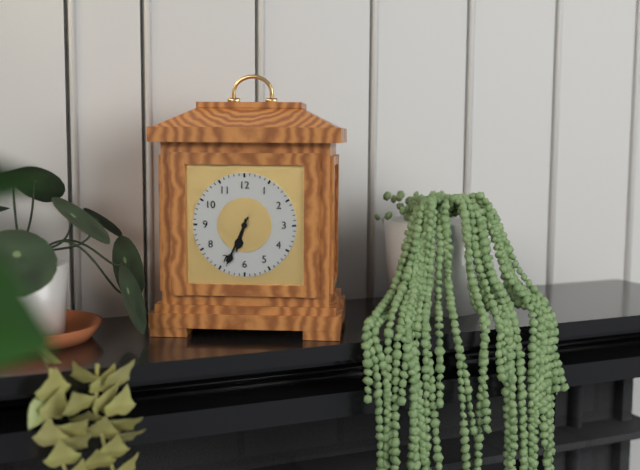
6:34
